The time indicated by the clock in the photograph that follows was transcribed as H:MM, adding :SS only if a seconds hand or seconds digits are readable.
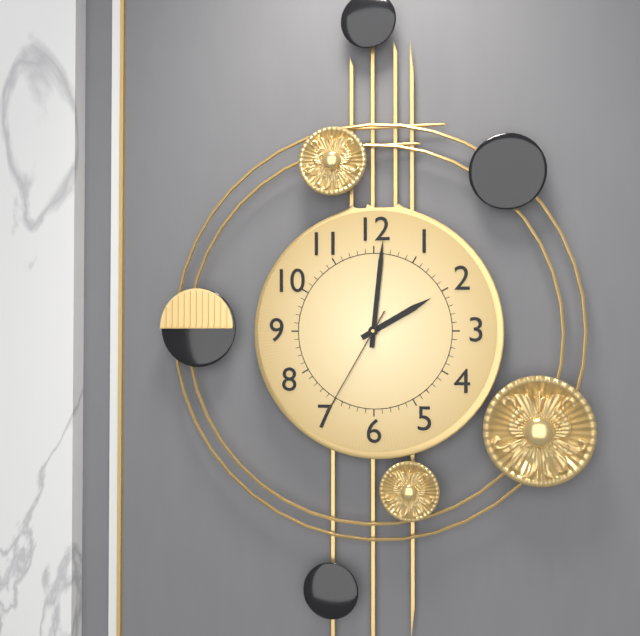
2:01:35
